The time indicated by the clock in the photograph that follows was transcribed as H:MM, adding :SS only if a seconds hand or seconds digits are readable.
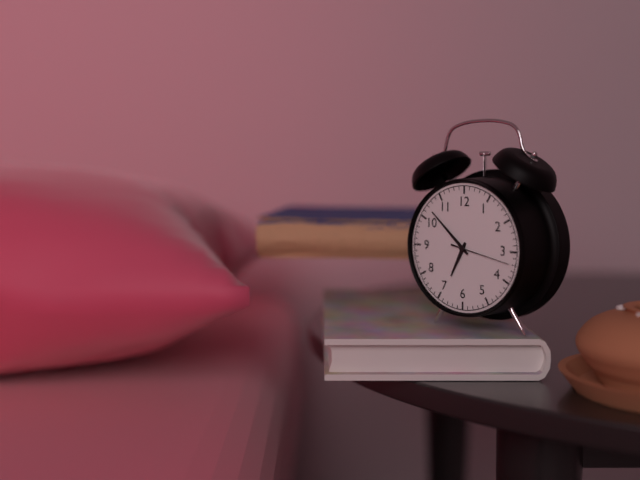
6:52:17
